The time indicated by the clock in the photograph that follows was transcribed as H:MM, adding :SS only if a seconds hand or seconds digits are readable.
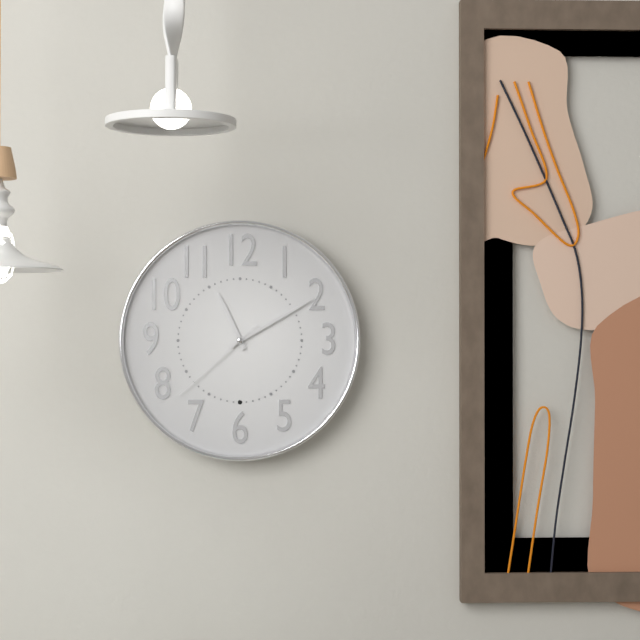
11:10:38
